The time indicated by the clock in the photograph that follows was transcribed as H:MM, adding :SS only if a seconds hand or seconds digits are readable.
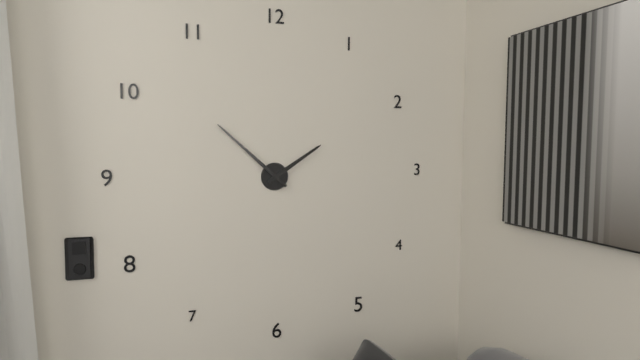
1:52
